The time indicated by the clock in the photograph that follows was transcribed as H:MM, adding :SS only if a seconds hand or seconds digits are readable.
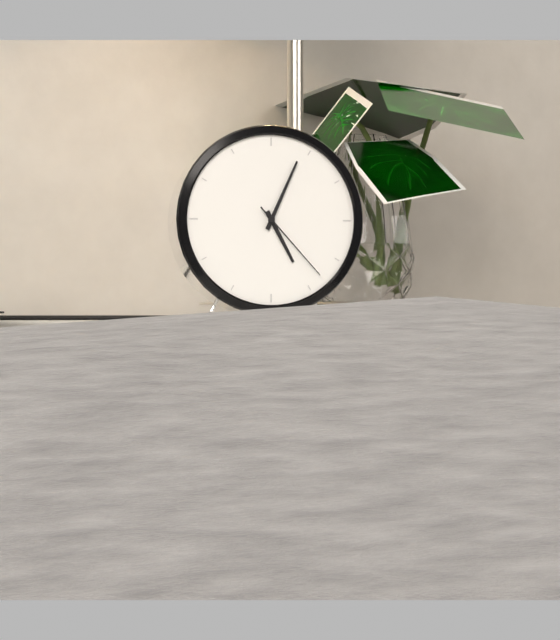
5:04:23
